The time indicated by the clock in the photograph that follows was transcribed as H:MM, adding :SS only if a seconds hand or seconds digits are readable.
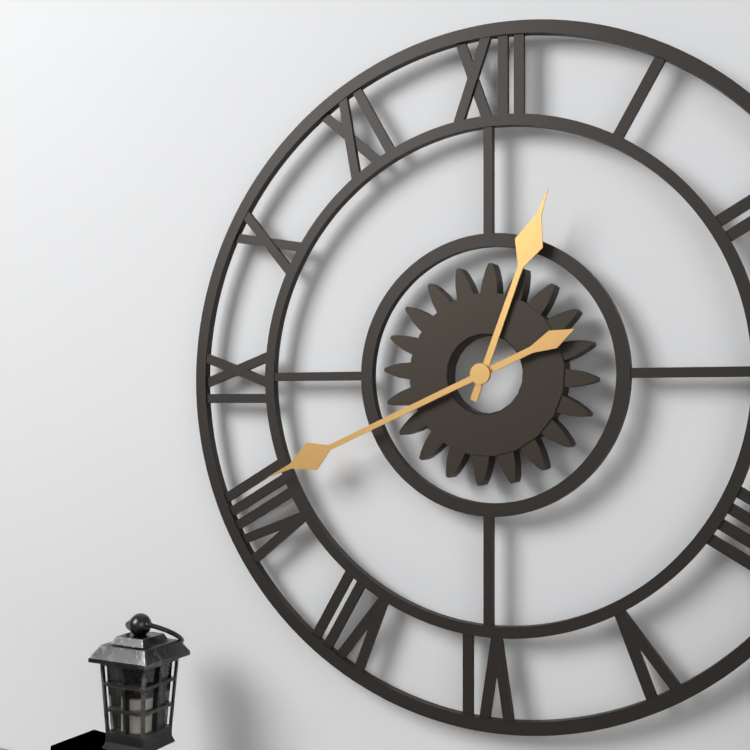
12:41
